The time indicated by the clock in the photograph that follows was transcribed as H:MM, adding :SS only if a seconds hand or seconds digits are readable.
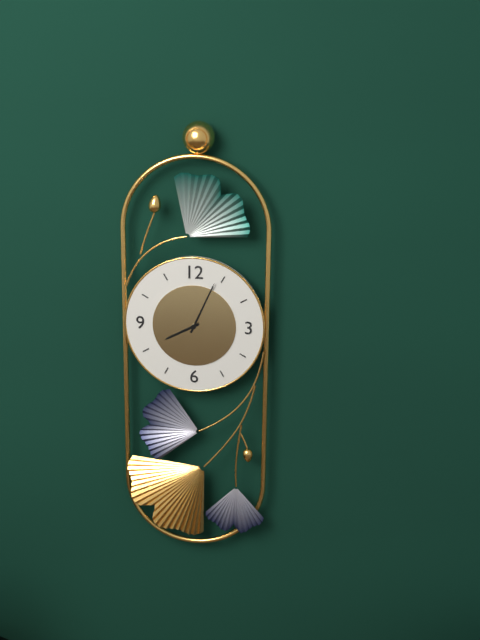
8:04
